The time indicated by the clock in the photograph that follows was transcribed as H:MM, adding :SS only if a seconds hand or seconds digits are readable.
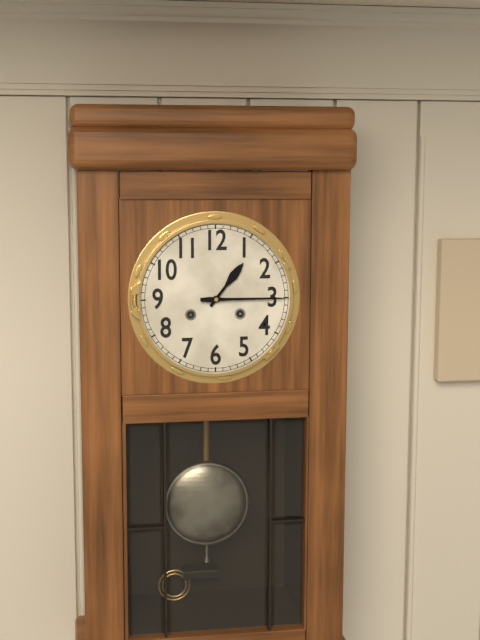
1:15
